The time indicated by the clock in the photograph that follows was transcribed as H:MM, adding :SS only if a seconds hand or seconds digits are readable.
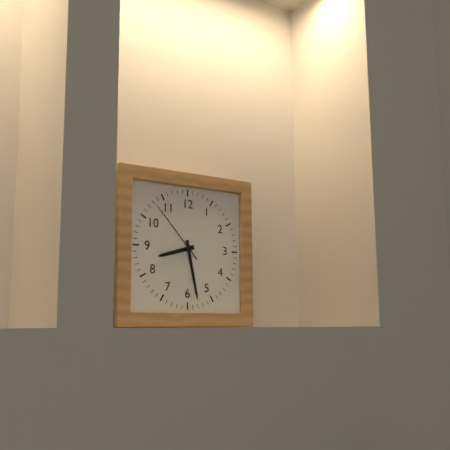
8:28:53
